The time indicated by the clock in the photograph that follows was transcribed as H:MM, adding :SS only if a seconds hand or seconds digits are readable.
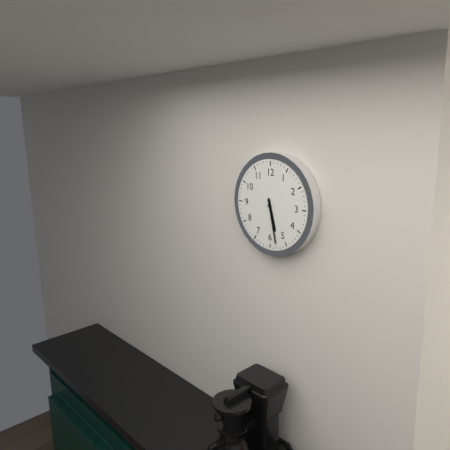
5:28
